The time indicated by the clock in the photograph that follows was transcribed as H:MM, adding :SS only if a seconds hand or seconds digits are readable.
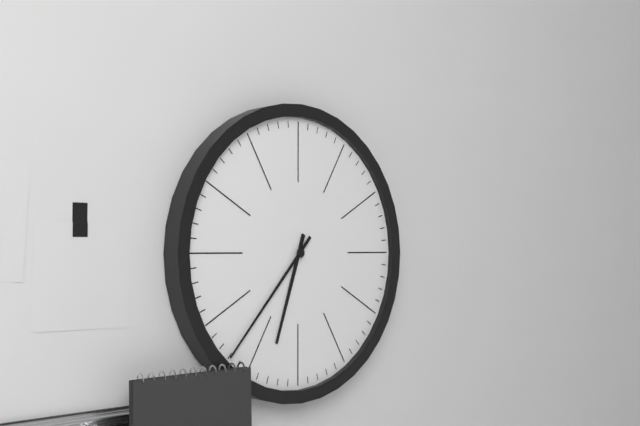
6:37
